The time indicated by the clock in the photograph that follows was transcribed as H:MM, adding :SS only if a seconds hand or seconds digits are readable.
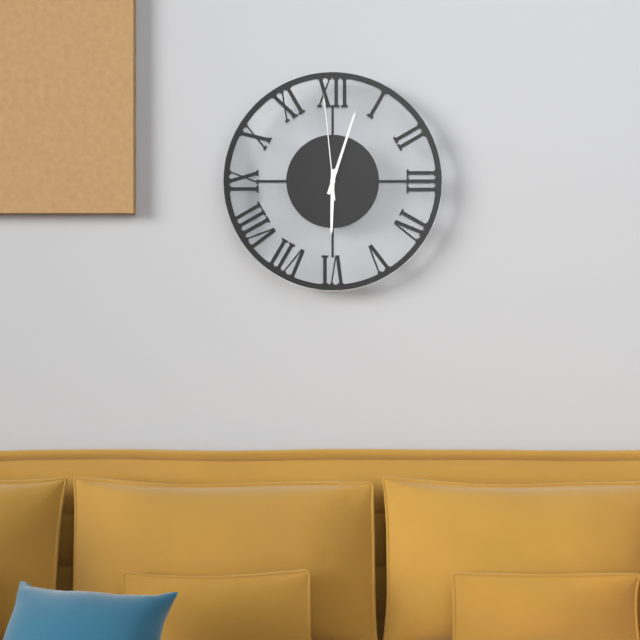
6:03:59
